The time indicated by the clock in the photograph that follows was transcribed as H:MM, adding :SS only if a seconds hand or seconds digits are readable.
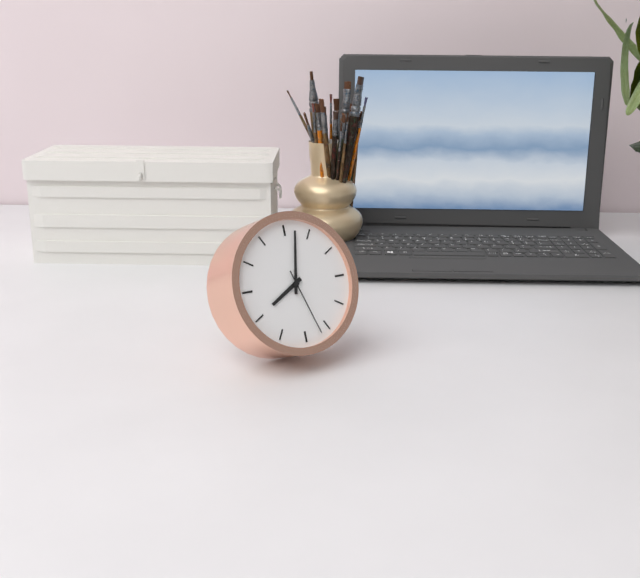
8:02:27
